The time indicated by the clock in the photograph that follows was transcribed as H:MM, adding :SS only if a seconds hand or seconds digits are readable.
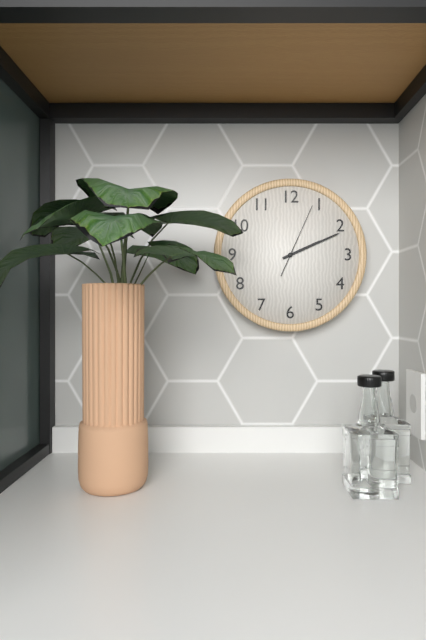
2:11:04
